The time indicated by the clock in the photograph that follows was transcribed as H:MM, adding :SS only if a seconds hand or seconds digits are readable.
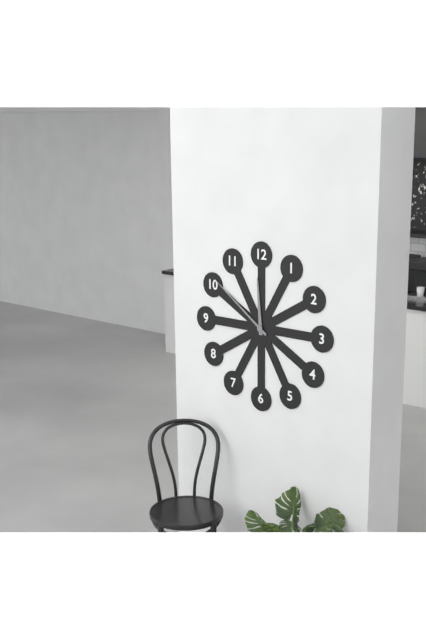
11:51
